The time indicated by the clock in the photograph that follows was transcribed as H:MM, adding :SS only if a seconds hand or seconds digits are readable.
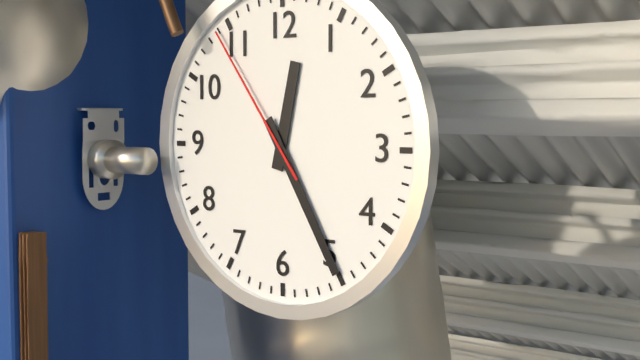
12:25:54
